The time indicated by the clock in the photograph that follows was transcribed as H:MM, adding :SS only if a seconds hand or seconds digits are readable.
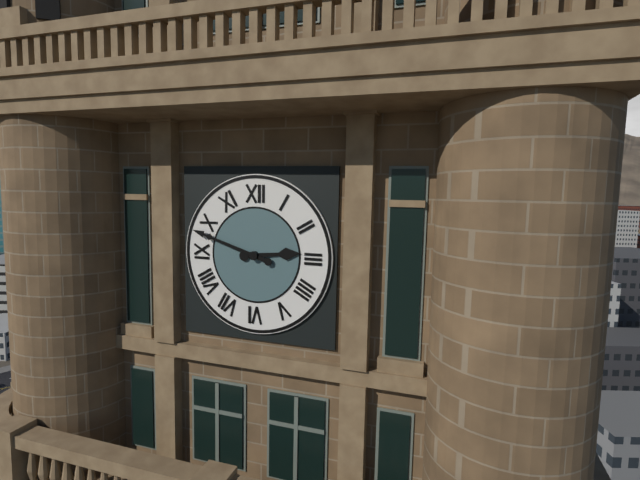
2:48
